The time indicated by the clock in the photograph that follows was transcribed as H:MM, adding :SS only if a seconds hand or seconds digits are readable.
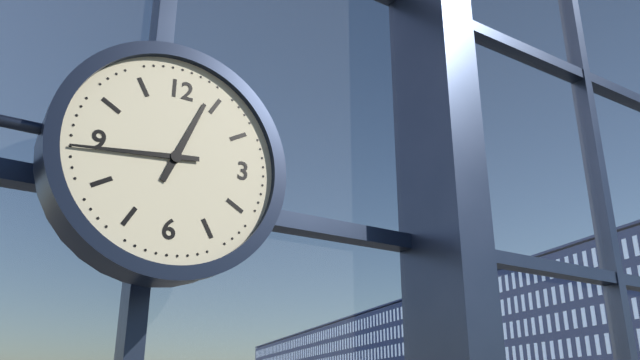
12:44
